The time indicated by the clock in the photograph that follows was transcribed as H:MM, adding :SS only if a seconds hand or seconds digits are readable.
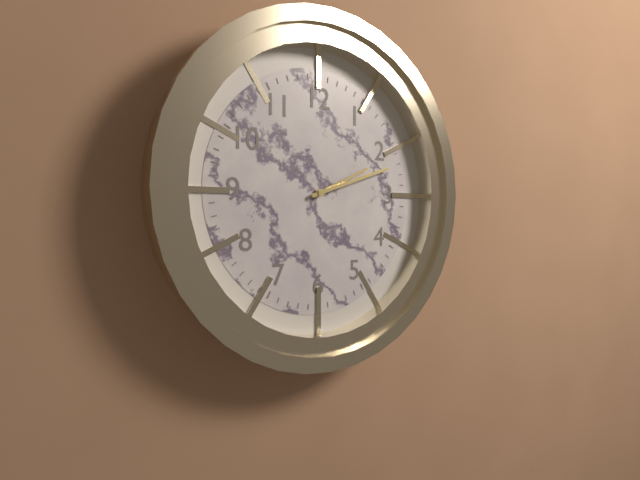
2:12
